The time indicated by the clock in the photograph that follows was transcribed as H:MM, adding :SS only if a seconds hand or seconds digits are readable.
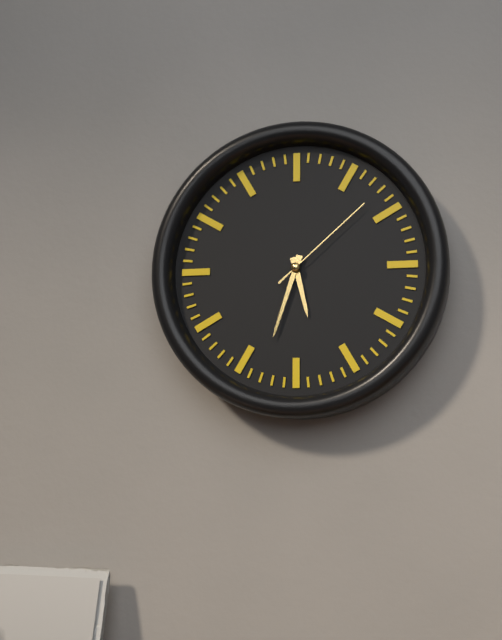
5:33:08
